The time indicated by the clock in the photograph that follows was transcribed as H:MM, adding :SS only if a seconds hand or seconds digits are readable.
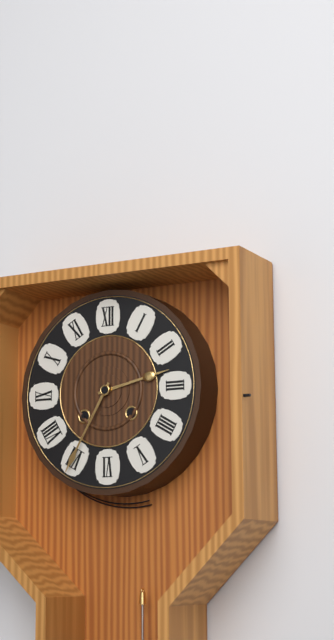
2:35
